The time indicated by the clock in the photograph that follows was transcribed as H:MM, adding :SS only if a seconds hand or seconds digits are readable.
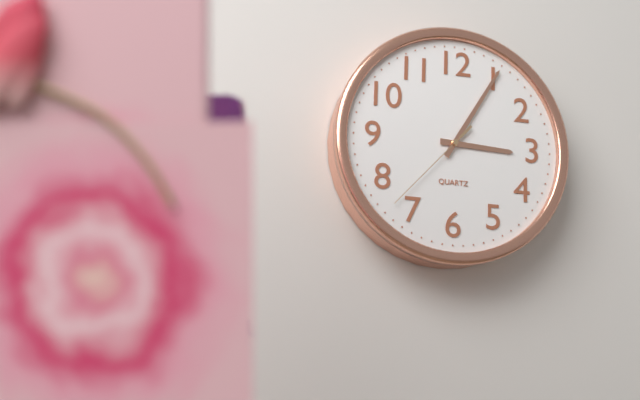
3:05:37
